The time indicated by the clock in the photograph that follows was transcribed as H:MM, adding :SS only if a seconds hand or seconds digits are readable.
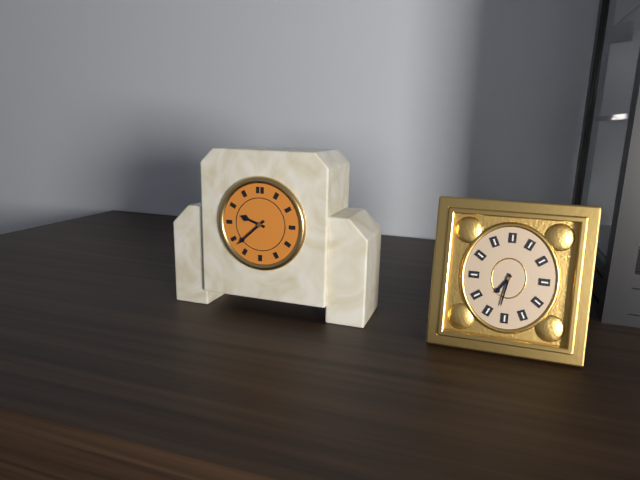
9:38
